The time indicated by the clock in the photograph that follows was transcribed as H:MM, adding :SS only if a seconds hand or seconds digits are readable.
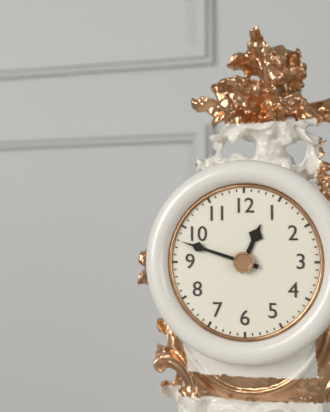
12:48
